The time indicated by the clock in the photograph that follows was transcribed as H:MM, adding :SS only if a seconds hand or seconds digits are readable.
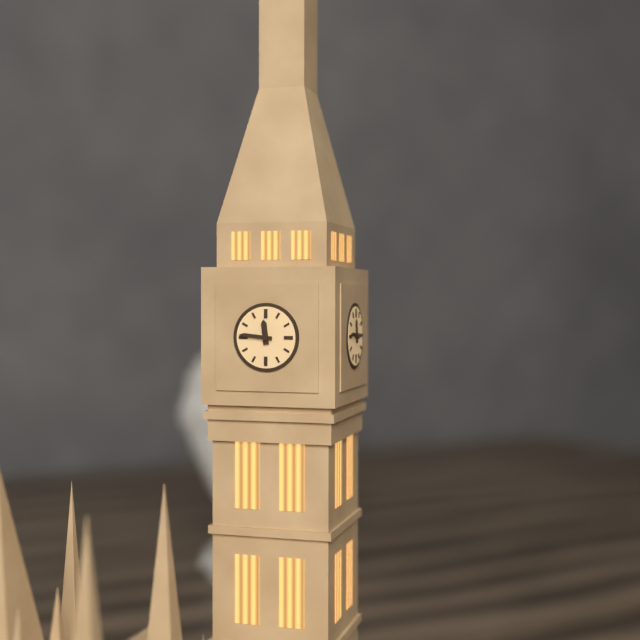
11:46
